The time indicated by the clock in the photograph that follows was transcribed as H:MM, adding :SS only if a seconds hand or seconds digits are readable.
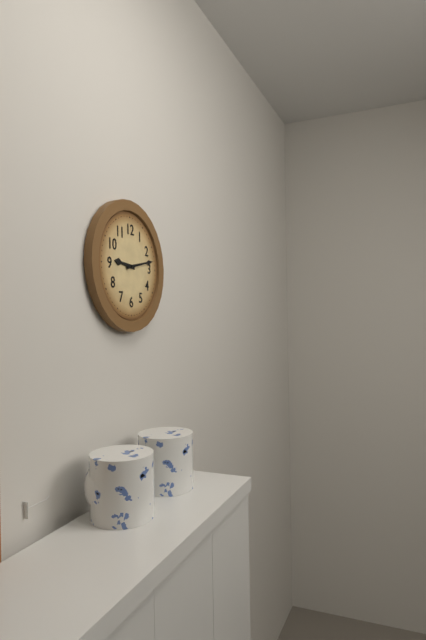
9:13
